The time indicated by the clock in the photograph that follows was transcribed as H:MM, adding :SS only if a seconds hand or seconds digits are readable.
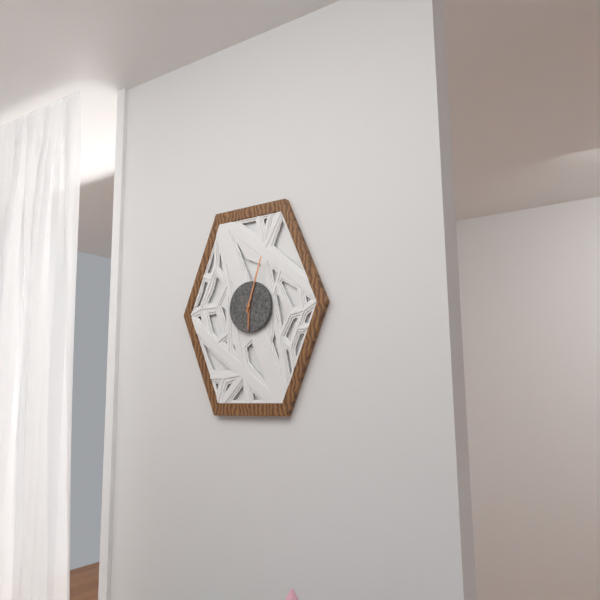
6:03
